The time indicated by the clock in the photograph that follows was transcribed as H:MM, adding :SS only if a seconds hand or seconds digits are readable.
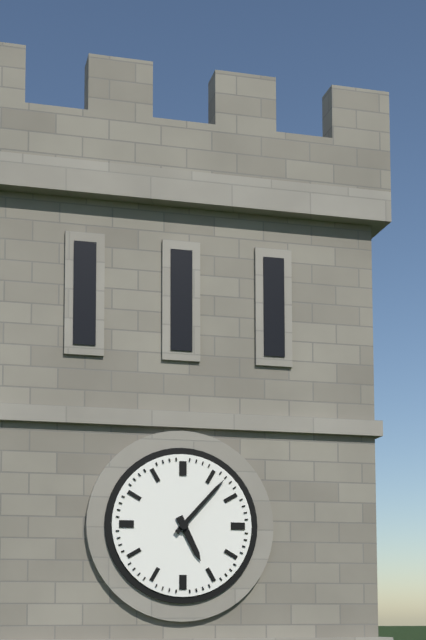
5:07
